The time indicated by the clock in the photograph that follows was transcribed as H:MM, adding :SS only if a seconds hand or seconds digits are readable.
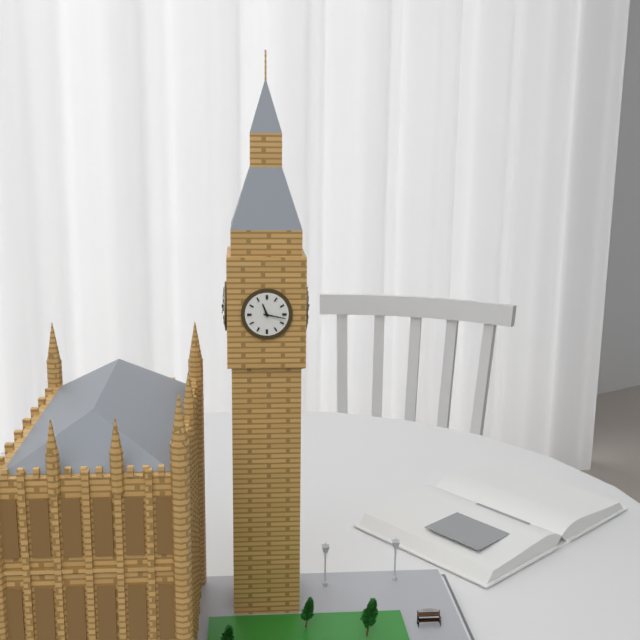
11:17
